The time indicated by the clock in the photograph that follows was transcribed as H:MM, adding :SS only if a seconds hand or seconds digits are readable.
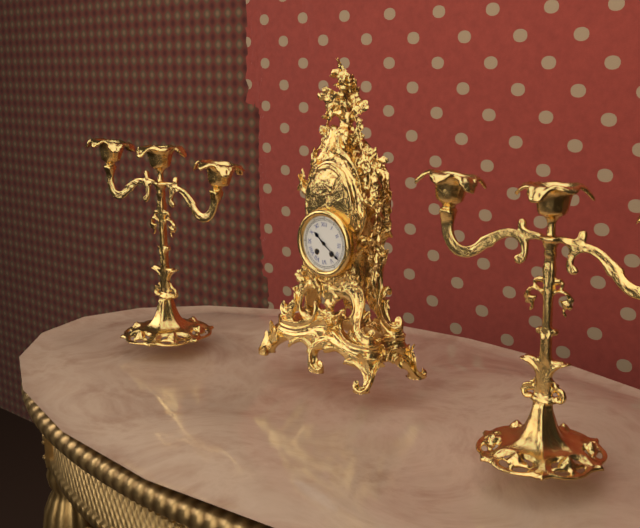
10:21
